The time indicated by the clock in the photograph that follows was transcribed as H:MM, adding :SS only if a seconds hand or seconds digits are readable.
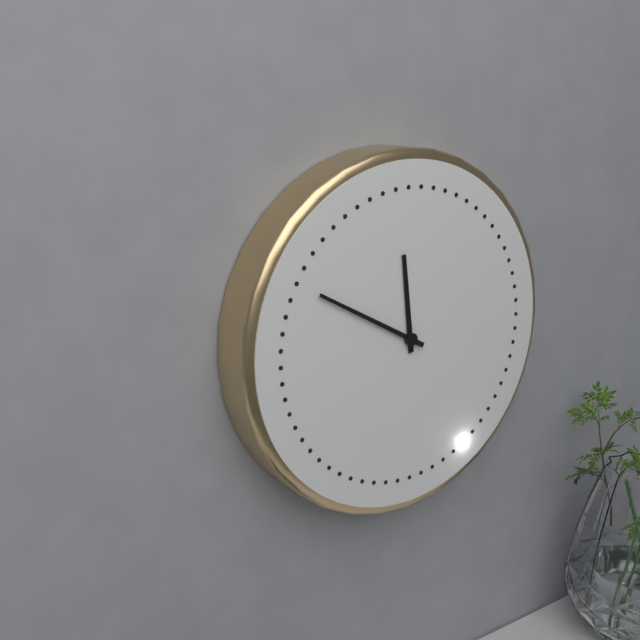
11:50
